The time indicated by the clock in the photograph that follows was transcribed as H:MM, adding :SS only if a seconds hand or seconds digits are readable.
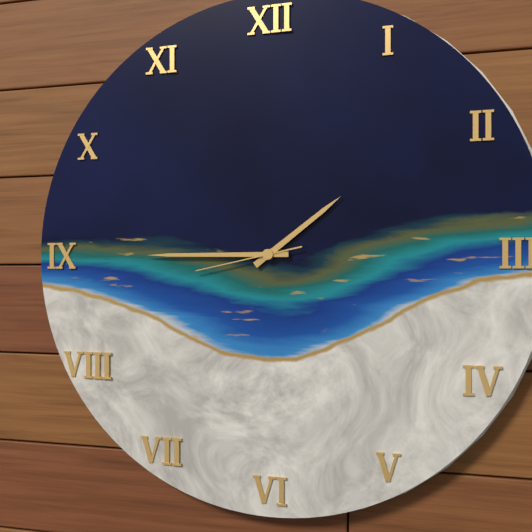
1:45:43
